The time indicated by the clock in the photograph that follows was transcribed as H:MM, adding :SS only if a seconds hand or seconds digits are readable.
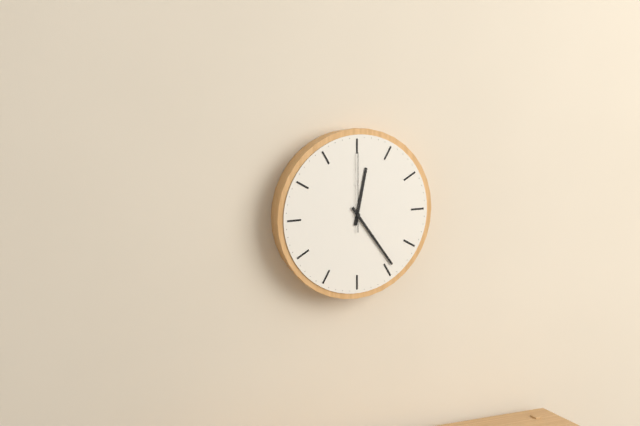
12:24:00
